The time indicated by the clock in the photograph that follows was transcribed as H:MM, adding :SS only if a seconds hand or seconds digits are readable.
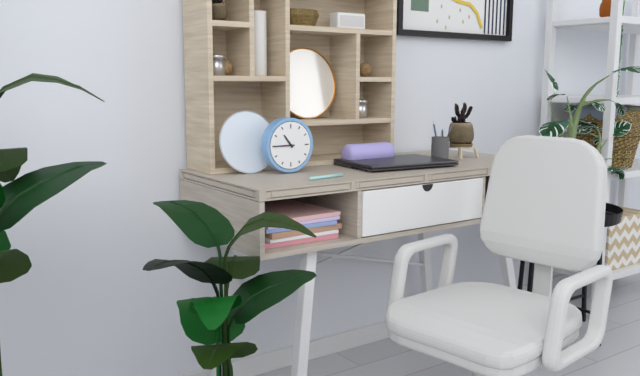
10:45
